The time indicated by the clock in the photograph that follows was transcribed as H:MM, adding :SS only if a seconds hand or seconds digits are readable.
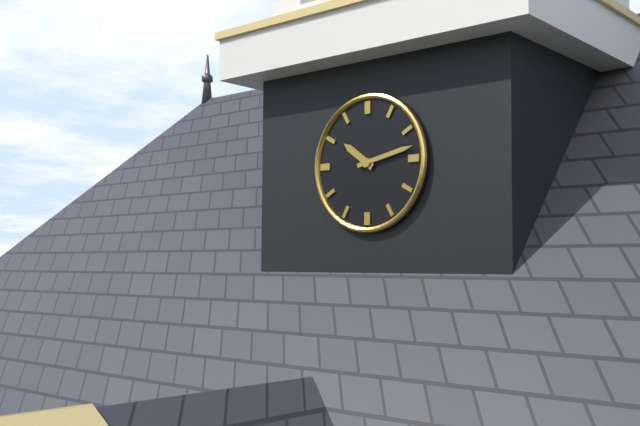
10:13
